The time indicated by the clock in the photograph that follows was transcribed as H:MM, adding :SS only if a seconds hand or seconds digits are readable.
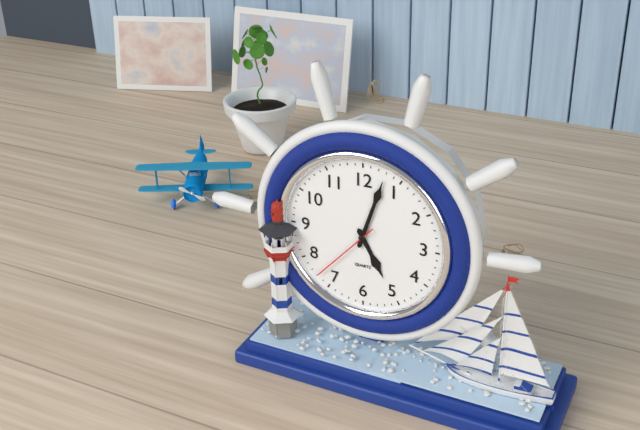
5:03:37
